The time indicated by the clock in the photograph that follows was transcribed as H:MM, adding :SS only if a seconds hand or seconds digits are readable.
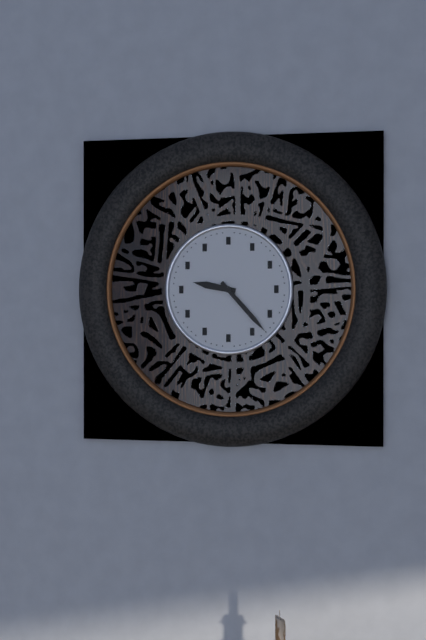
9:23
